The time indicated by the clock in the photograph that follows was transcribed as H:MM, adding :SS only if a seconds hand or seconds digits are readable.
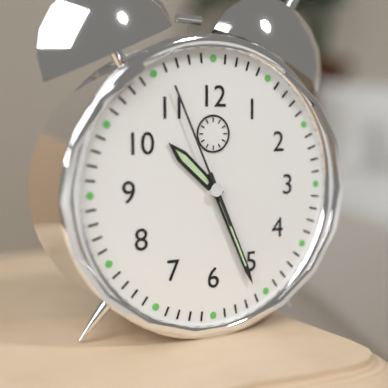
10:26:56
